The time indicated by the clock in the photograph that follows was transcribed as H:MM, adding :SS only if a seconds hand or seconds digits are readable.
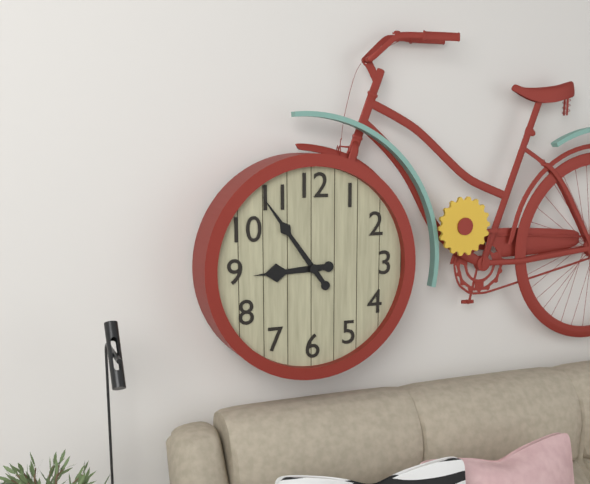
8:54
